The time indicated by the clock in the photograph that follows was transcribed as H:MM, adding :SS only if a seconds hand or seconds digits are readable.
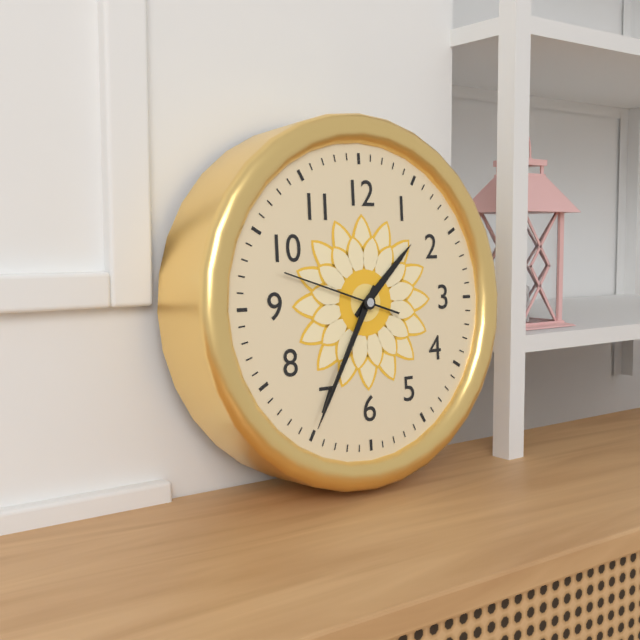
1:35:48
